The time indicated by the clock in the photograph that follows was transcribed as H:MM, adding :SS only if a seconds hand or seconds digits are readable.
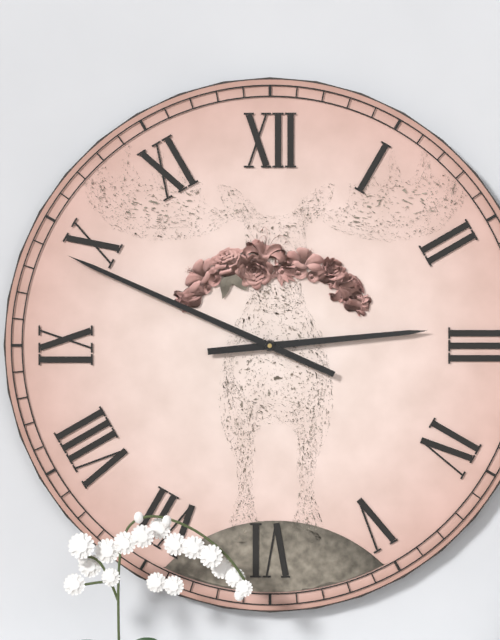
2:49
